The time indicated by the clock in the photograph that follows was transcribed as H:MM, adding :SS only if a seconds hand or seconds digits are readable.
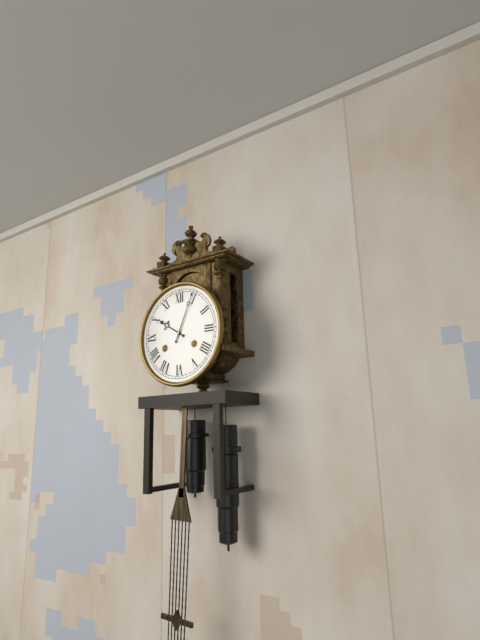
10:04
